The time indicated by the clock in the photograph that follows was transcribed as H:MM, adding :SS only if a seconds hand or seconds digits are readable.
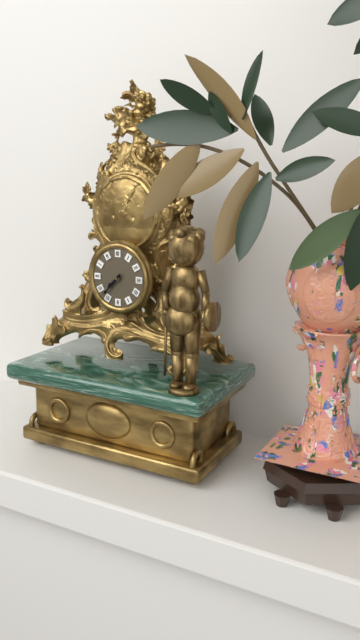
7:37
